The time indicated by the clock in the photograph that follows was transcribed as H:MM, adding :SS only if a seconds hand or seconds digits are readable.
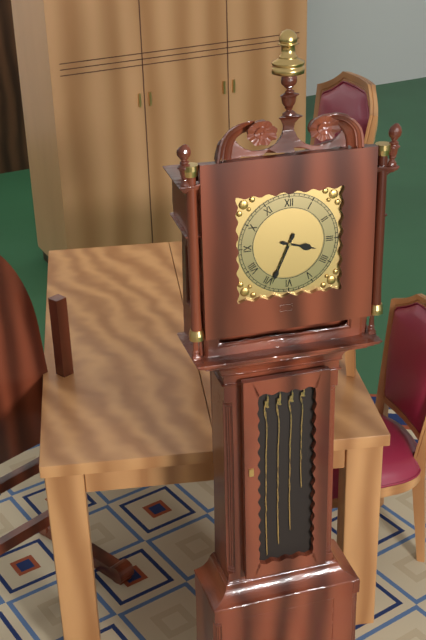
3:34
